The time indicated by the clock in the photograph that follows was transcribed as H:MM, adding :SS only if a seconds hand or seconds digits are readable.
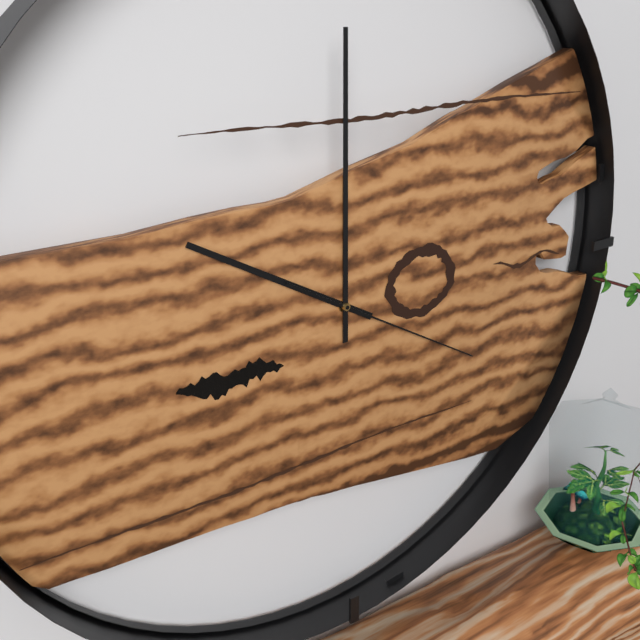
10:00:20
